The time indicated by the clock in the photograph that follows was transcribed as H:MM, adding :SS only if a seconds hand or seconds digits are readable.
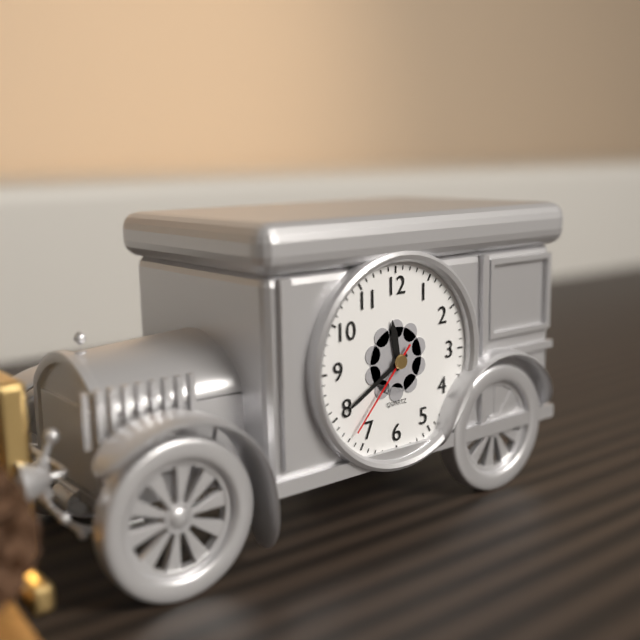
11:40:37
